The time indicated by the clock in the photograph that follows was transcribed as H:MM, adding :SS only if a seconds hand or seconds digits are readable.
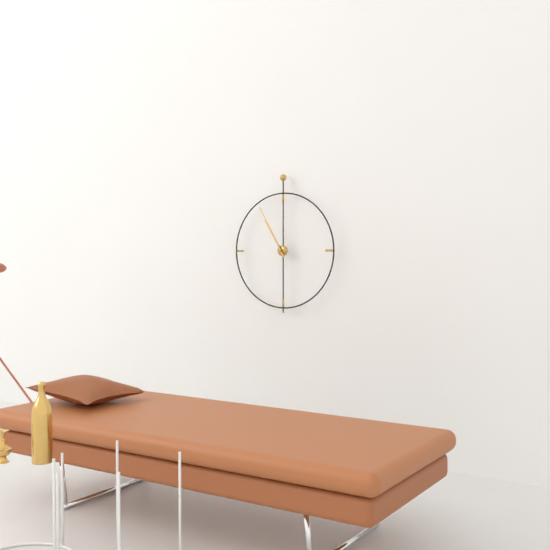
10:55
